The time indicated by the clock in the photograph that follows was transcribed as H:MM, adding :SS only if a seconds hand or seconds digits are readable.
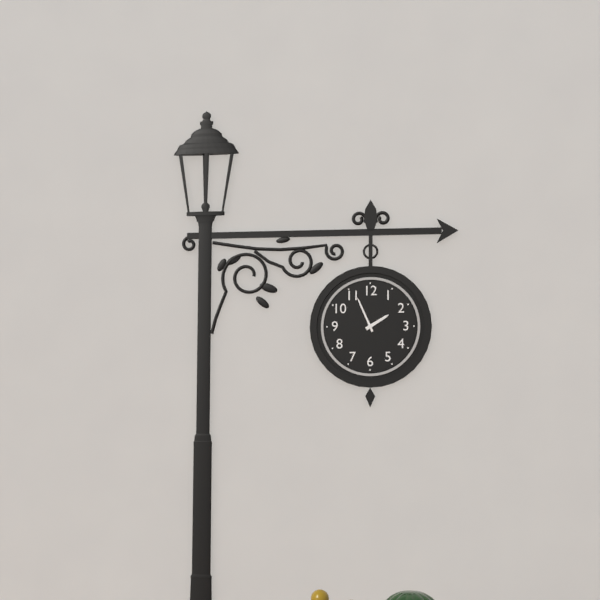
1:56
